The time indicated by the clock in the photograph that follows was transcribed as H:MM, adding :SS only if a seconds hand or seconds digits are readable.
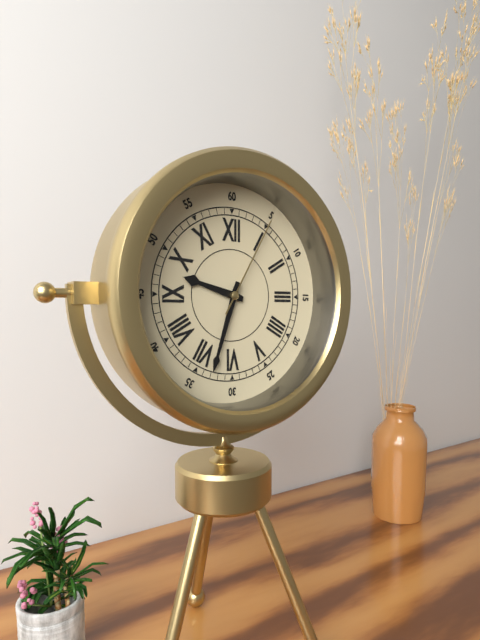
9:33:05
